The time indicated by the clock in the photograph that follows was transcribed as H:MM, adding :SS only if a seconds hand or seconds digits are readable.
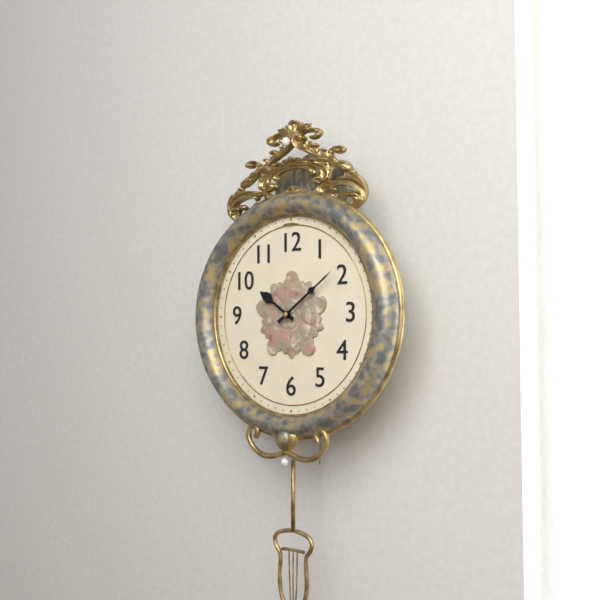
10:09
